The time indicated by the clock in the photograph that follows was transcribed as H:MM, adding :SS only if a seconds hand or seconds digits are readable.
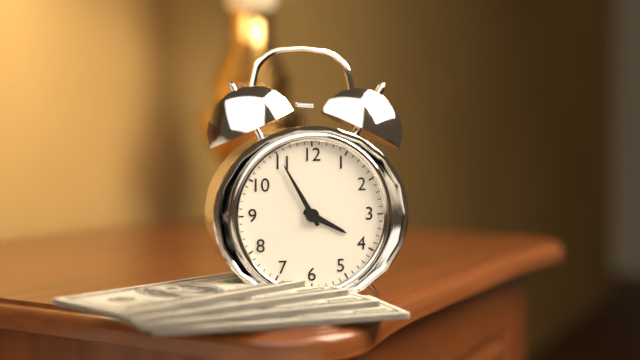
3:55
